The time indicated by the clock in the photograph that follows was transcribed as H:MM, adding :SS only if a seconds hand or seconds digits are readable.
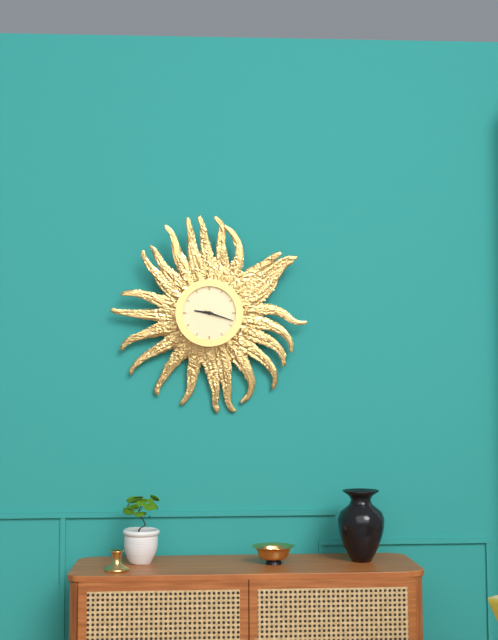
9:18
